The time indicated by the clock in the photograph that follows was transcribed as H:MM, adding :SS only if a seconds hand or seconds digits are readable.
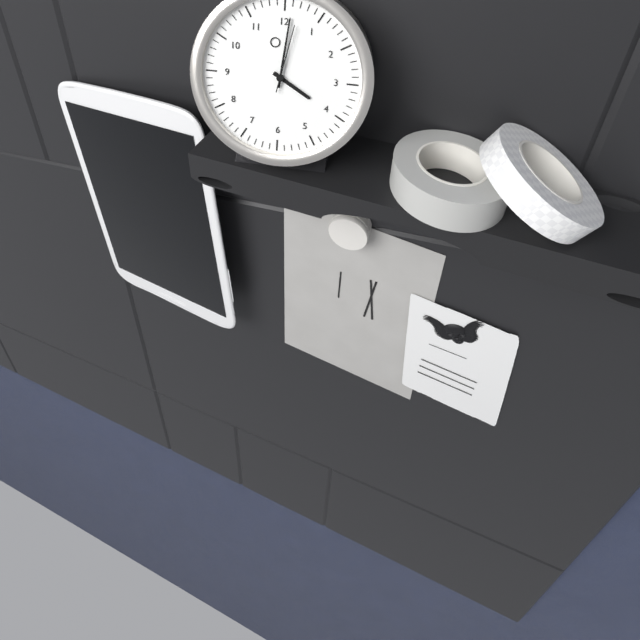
4:01:02
